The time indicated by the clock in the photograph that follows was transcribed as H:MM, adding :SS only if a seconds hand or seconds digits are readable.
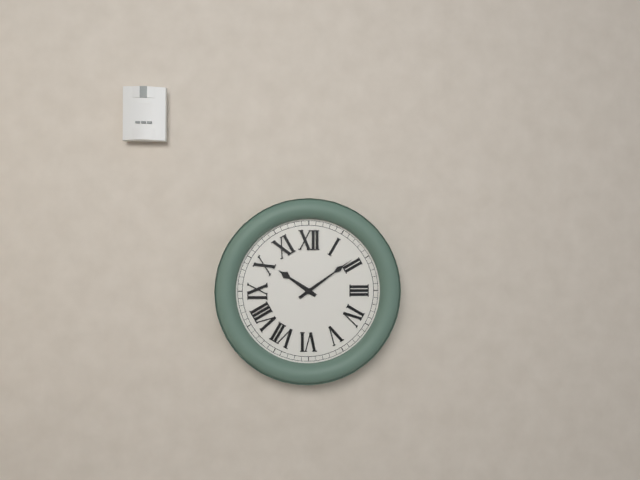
10:09
